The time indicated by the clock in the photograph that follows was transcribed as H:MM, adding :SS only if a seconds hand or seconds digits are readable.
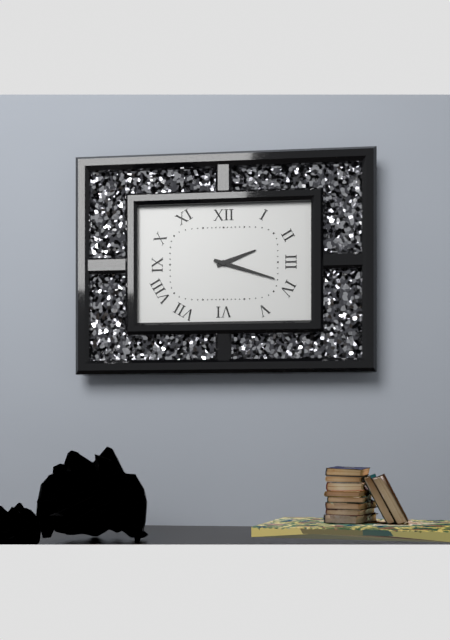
2:18
